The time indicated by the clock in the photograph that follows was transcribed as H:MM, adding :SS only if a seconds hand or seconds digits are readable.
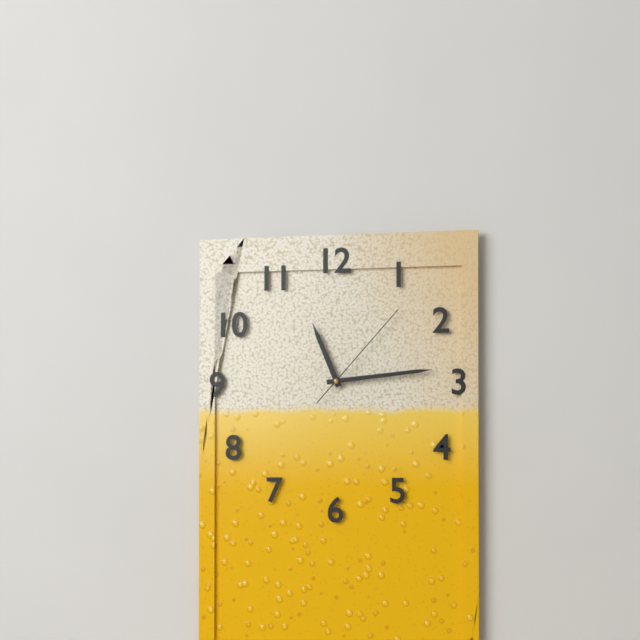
11:14:07
